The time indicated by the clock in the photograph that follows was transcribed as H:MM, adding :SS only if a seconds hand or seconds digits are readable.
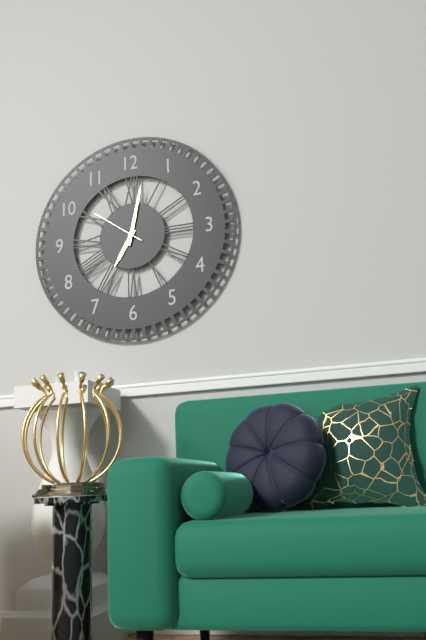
7:02:51
